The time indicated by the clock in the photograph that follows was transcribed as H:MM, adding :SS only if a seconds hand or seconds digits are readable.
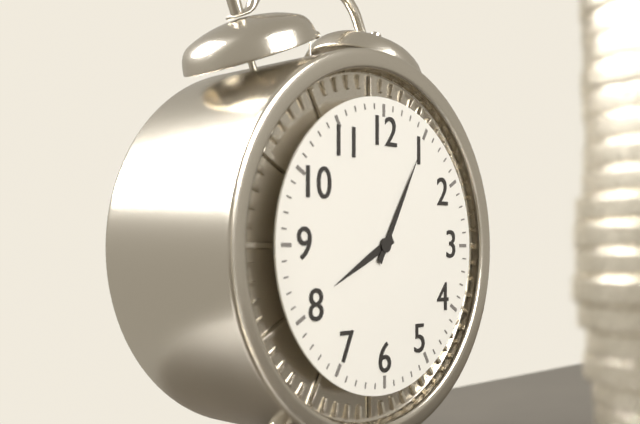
8:05
